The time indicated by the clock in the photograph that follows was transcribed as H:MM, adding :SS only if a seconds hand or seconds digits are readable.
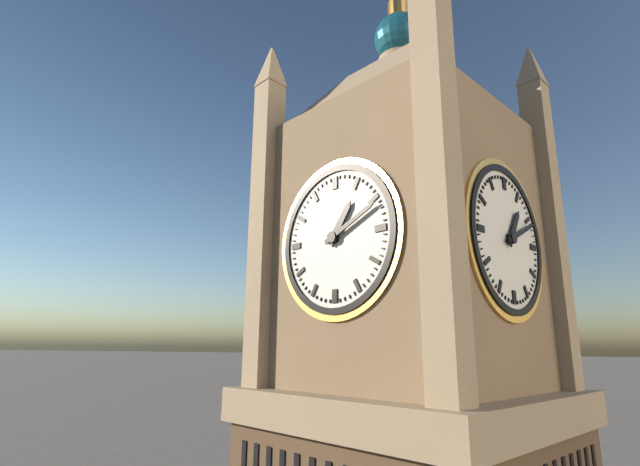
1:11
